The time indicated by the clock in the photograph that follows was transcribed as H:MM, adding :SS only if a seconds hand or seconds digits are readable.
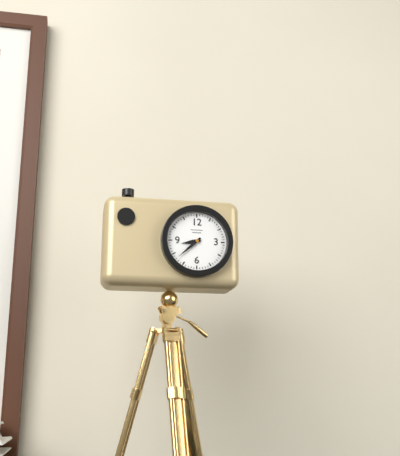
8:38
